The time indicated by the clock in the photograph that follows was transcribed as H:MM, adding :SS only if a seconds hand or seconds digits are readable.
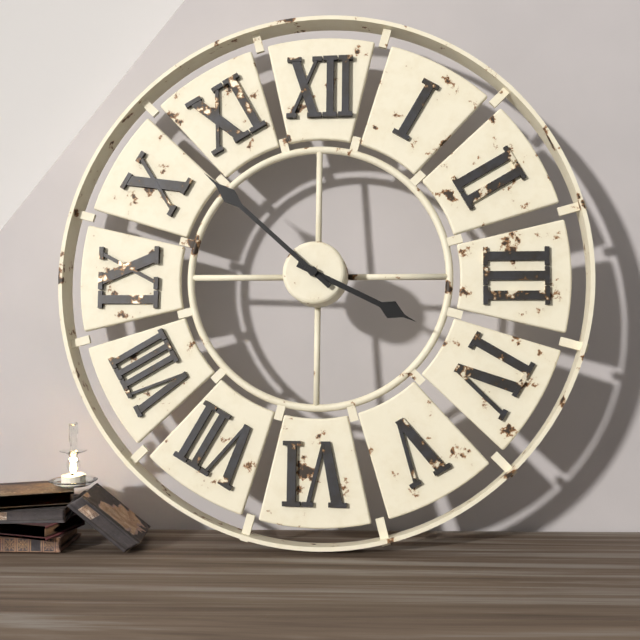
3:52
